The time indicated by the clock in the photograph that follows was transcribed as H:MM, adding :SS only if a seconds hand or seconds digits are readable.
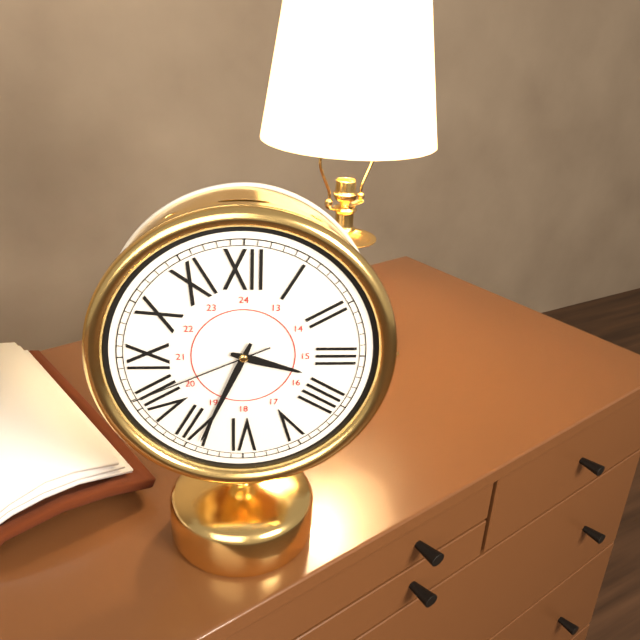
3:34:41
